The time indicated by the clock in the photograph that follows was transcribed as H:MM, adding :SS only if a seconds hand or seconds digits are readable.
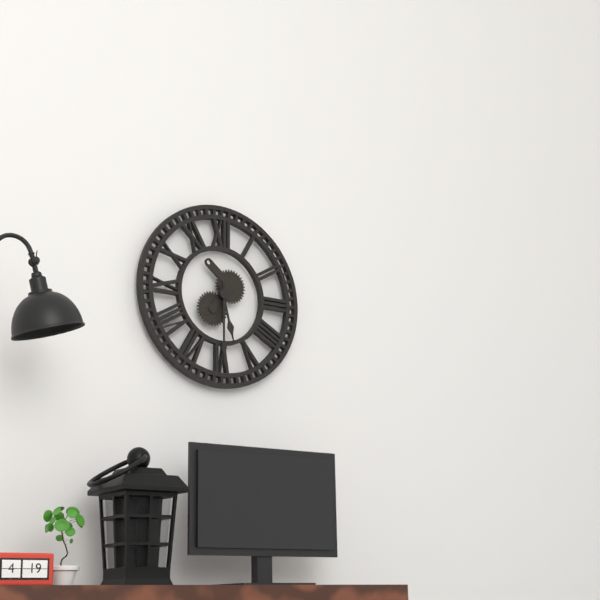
5:30
